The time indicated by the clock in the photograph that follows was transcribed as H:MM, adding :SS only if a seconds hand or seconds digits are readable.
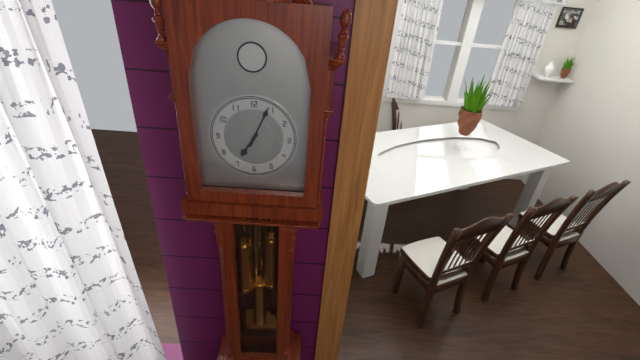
7:04
